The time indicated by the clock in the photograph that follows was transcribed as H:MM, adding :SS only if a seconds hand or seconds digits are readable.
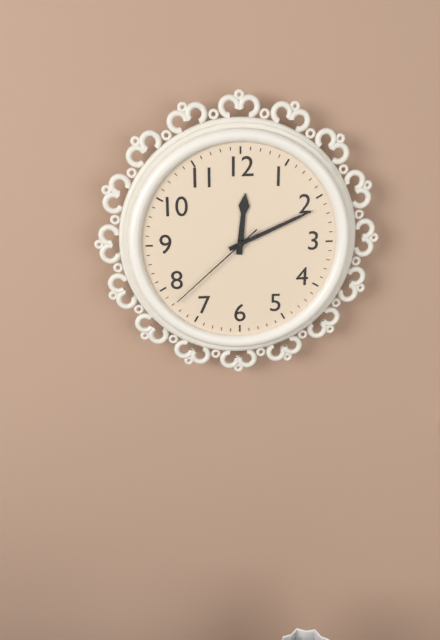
12:11:38
